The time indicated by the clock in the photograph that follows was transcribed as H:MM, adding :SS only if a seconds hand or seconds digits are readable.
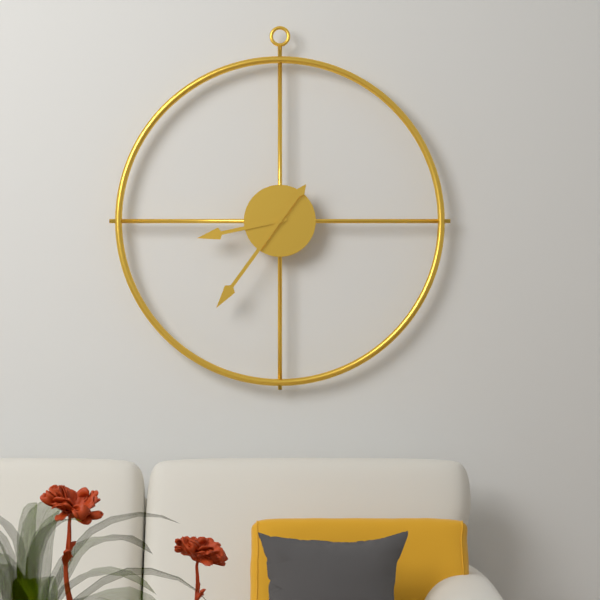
8:36
